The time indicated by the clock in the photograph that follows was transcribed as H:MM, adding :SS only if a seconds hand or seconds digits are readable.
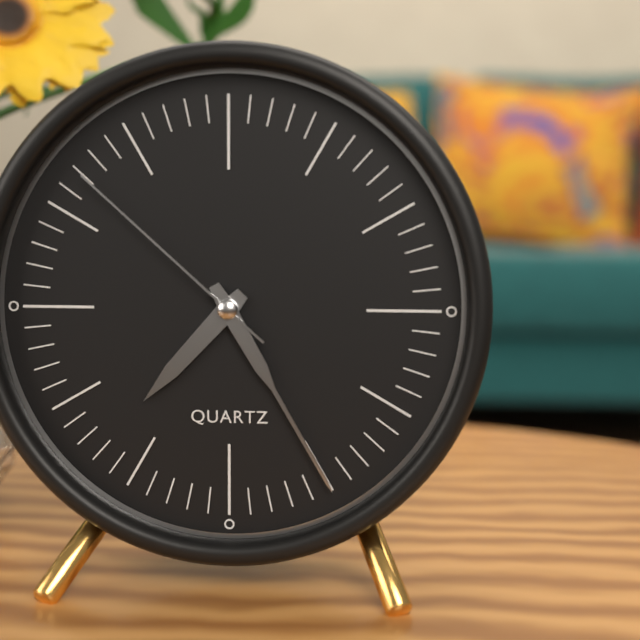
7:25:52
